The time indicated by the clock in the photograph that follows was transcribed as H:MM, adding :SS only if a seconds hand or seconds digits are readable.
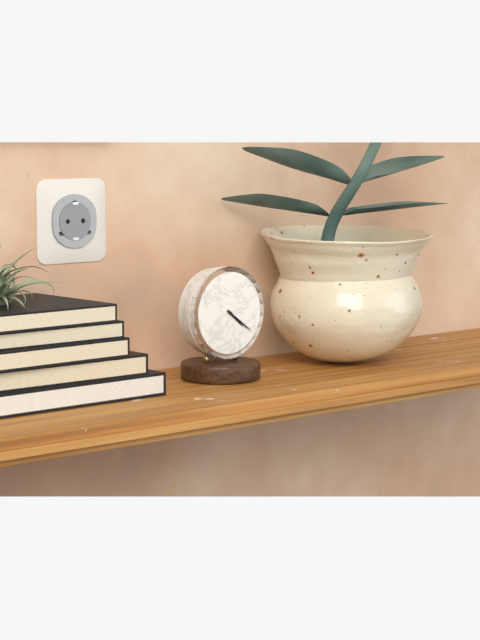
4:21
